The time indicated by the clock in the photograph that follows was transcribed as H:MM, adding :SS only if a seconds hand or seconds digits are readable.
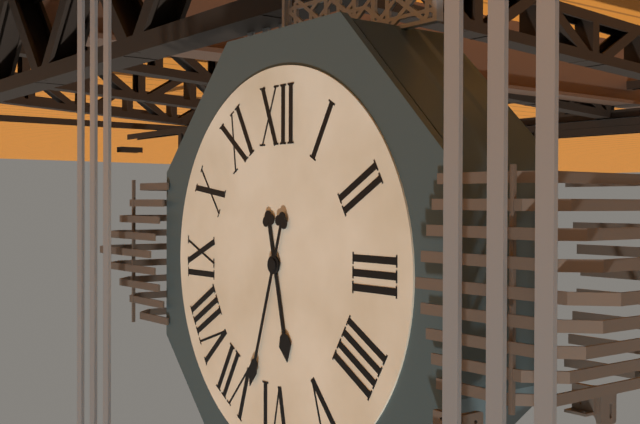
5:33
